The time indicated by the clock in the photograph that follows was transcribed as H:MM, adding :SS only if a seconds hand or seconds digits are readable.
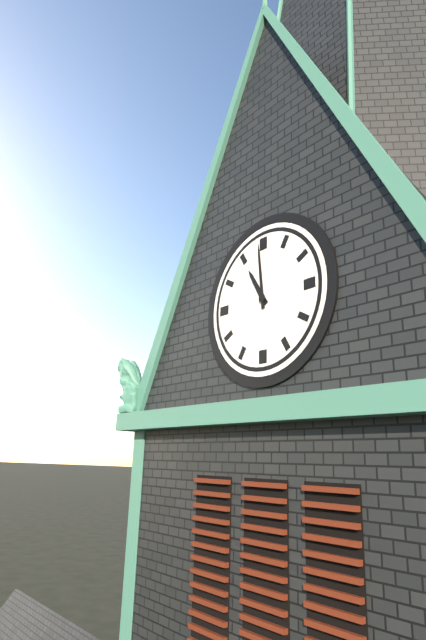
10:59
